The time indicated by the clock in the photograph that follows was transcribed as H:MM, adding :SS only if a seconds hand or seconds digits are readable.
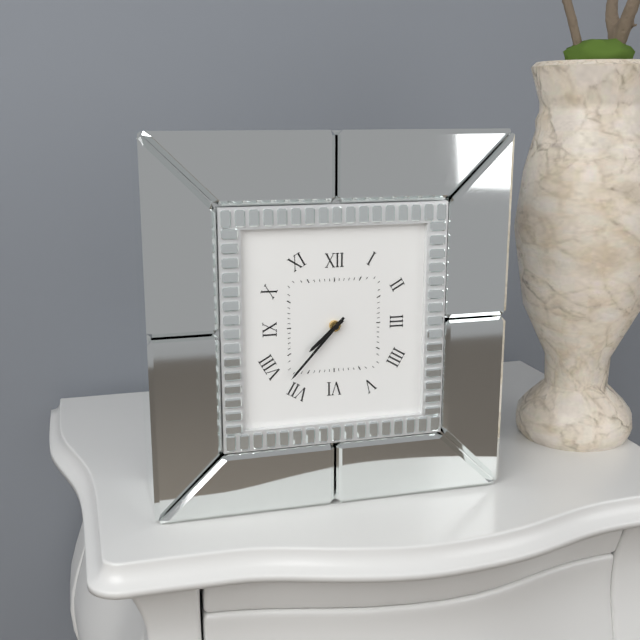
7:37
